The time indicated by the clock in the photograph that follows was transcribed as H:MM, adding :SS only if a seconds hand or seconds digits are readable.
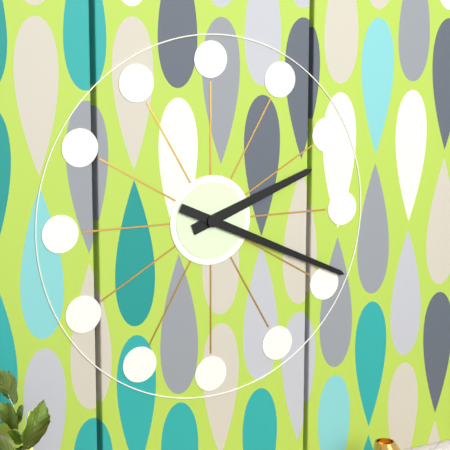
2:19
